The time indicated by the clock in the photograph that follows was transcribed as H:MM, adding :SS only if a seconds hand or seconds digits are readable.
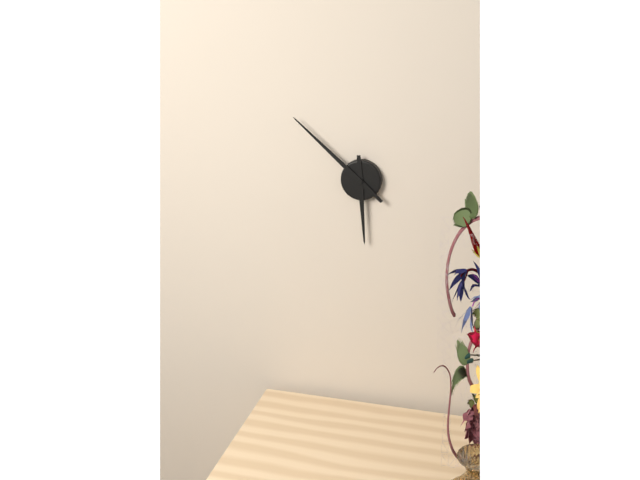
5:52
